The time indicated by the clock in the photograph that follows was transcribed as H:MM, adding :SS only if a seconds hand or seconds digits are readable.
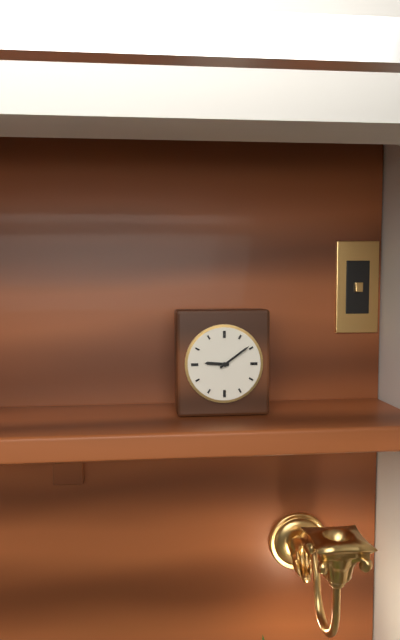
9:09
